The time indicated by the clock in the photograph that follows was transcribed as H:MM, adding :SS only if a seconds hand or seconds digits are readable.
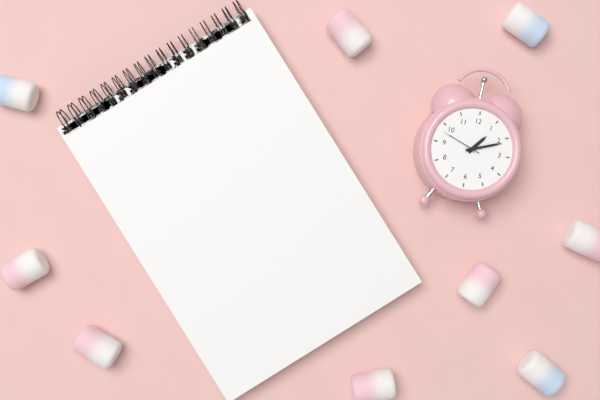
1:11
